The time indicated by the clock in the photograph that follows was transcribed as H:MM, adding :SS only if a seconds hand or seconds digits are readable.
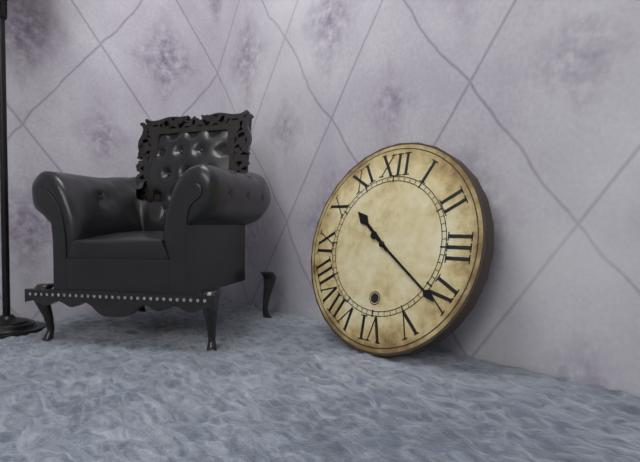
10:21
